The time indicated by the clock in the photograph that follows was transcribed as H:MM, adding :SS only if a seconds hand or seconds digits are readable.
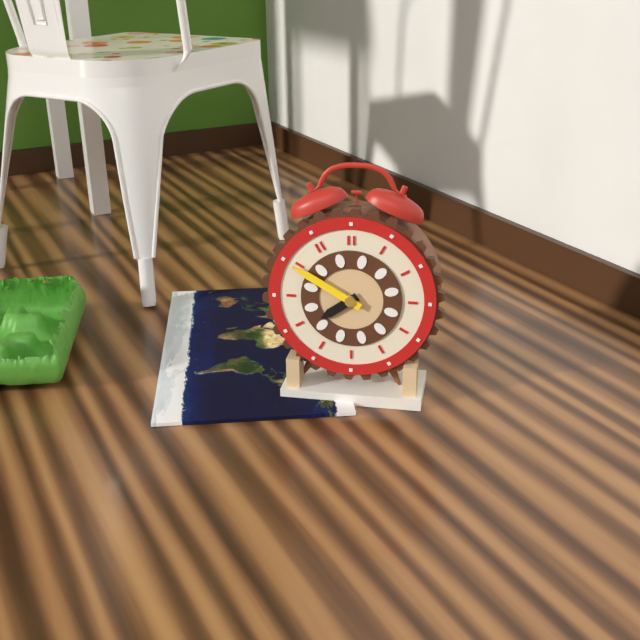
7:50
